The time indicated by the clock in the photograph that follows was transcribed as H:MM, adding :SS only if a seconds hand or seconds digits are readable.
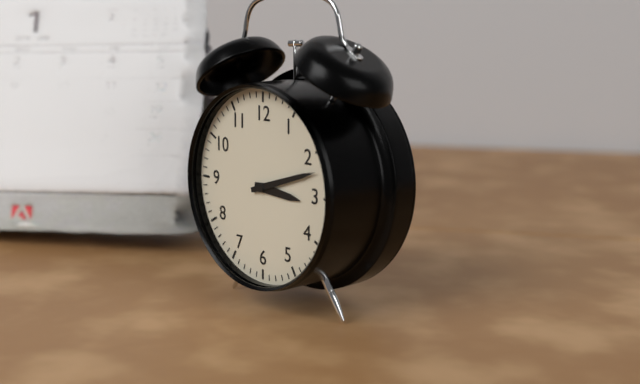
3:12
